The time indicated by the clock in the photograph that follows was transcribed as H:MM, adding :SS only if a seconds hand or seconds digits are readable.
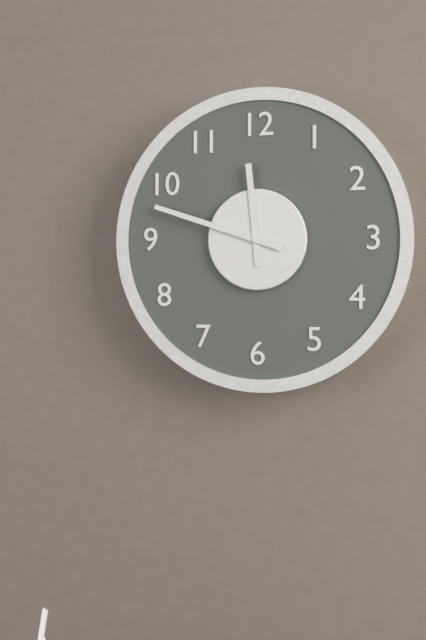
11:48
